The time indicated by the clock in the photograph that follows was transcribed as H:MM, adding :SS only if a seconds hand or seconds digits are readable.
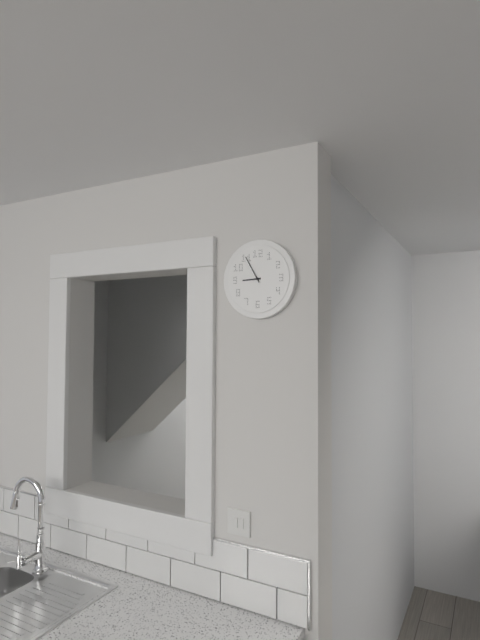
8:55
